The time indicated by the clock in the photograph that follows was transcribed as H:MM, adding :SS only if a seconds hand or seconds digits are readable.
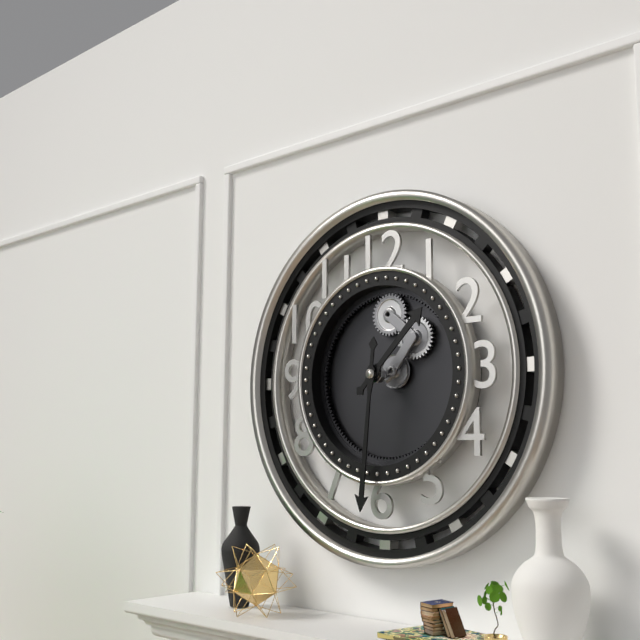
1:31
